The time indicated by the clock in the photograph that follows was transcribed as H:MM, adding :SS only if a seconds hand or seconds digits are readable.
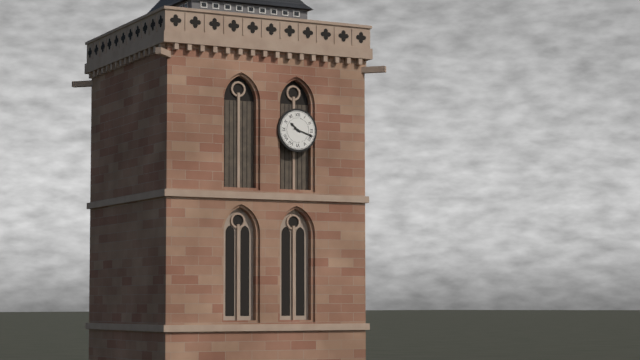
10:18
